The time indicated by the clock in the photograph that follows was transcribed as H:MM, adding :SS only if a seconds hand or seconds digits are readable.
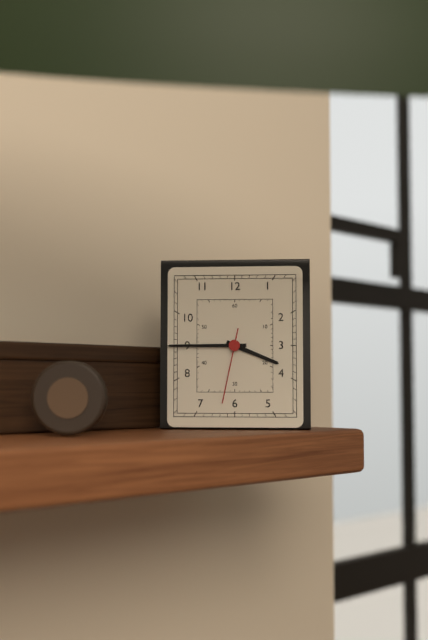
3:45:32
